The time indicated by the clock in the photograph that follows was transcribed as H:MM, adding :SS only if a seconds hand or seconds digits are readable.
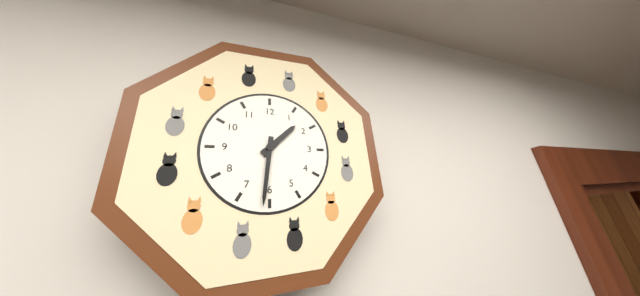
1:31
